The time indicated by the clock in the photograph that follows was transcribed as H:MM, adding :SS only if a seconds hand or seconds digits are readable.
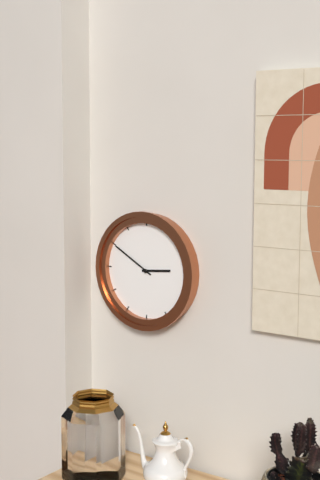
2:50
